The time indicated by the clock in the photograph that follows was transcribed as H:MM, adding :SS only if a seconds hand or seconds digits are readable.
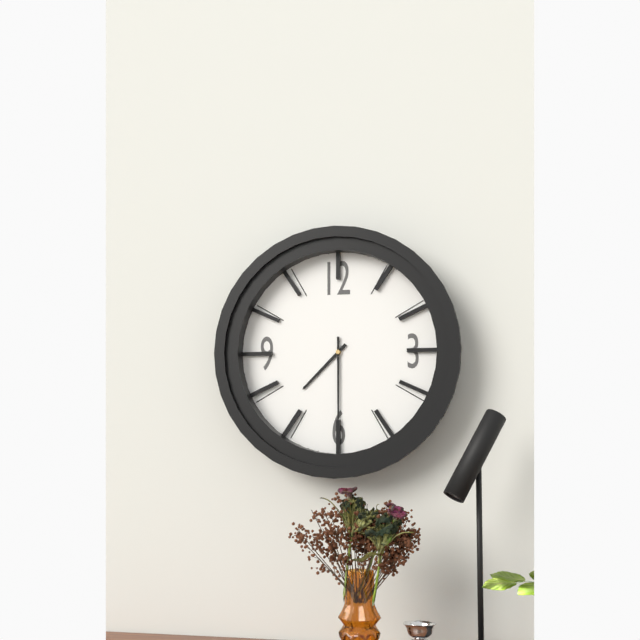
7:30
